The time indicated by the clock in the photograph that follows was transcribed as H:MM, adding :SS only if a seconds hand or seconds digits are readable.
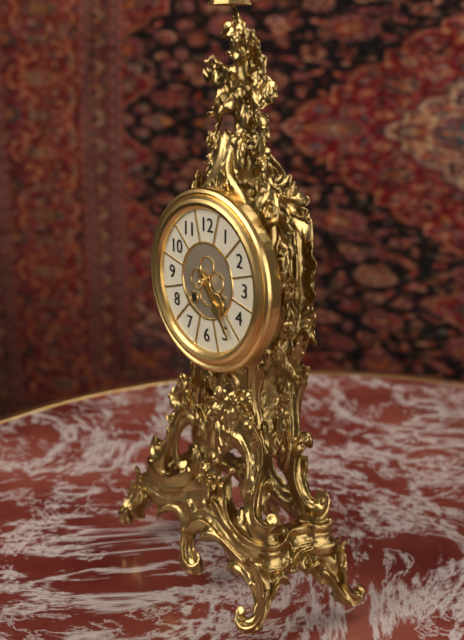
4:24
